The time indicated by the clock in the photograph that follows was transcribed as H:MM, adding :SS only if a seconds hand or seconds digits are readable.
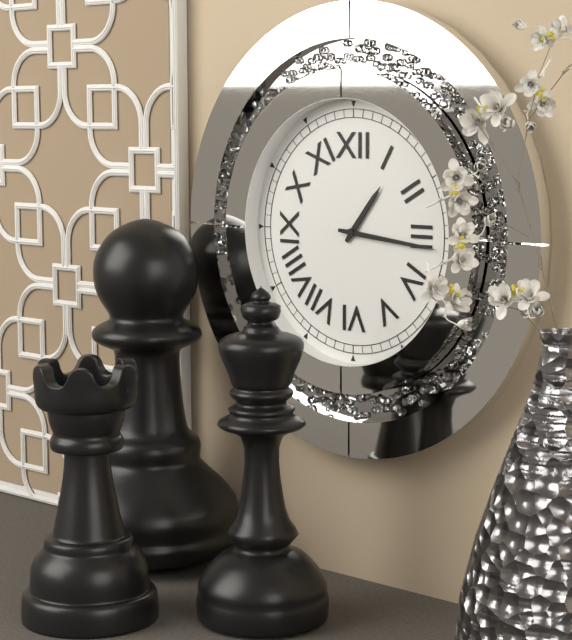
1:16
